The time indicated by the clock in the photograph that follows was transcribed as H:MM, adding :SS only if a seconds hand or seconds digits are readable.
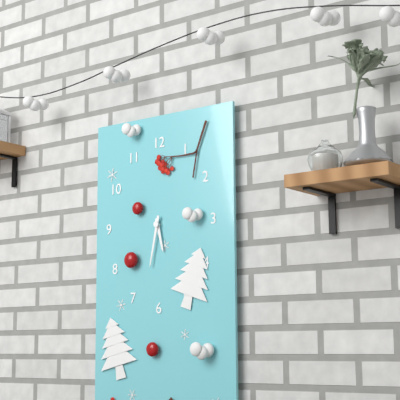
5:32
